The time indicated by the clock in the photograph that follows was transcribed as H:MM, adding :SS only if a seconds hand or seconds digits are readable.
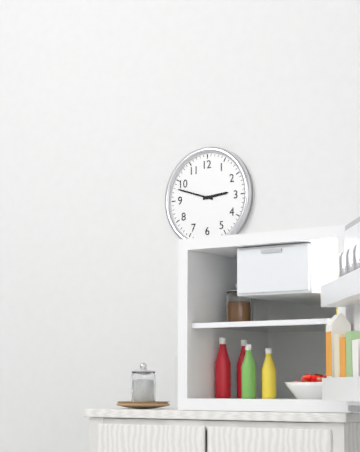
2:48
